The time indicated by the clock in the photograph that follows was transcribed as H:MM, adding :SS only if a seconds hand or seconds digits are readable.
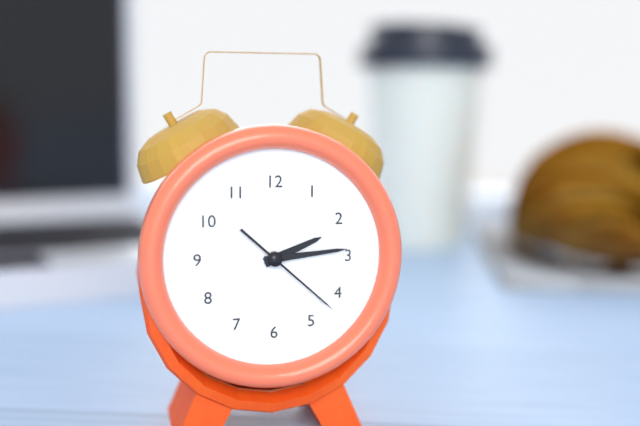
2:14:22
